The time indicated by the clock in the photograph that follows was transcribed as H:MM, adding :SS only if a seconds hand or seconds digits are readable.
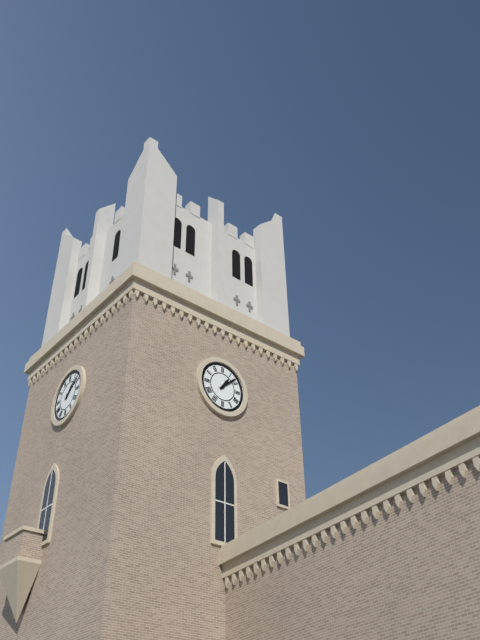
1:08
